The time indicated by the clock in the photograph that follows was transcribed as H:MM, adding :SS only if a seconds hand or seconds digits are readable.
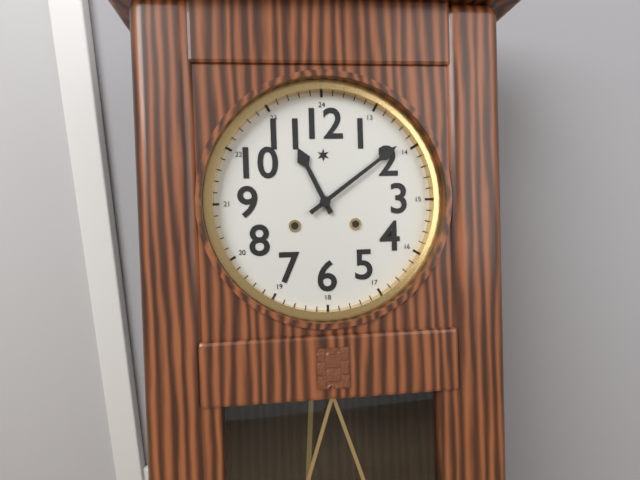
11:09
